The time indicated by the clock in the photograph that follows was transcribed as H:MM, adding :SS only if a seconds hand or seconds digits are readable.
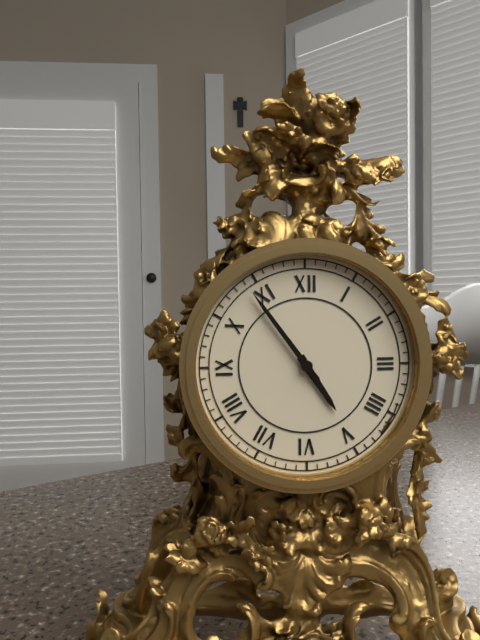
4:54
